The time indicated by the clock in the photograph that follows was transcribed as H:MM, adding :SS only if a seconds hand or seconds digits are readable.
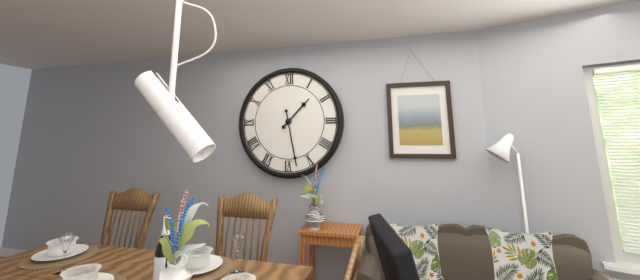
1:28
